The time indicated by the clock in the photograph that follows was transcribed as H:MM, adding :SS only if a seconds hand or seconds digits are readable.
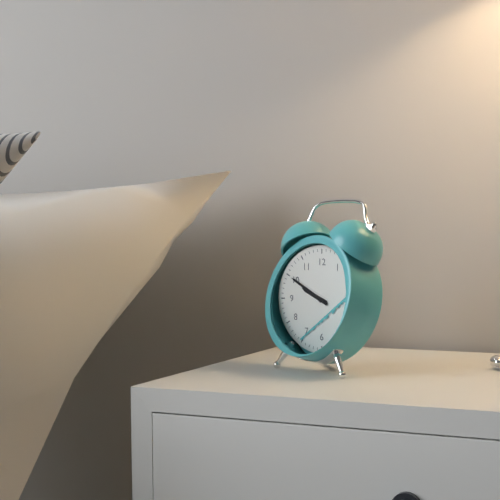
9:50
